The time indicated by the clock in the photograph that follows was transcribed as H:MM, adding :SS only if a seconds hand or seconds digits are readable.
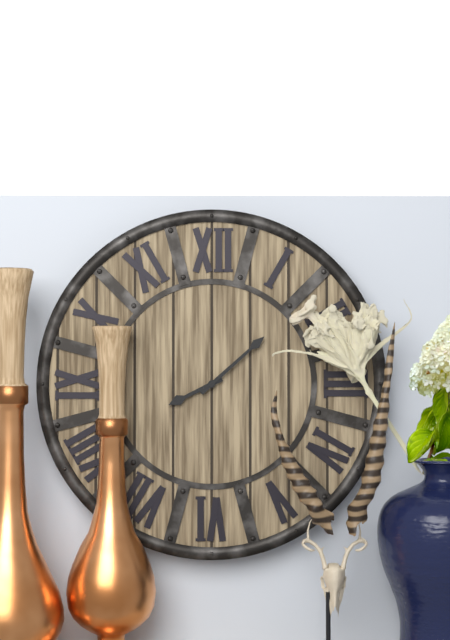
8:08
